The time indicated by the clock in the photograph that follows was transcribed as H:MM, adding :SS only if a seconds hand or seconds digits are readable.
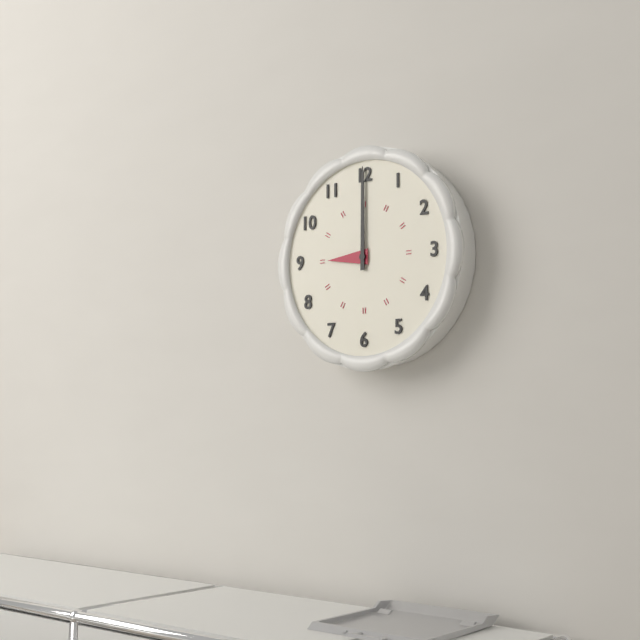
9:00
